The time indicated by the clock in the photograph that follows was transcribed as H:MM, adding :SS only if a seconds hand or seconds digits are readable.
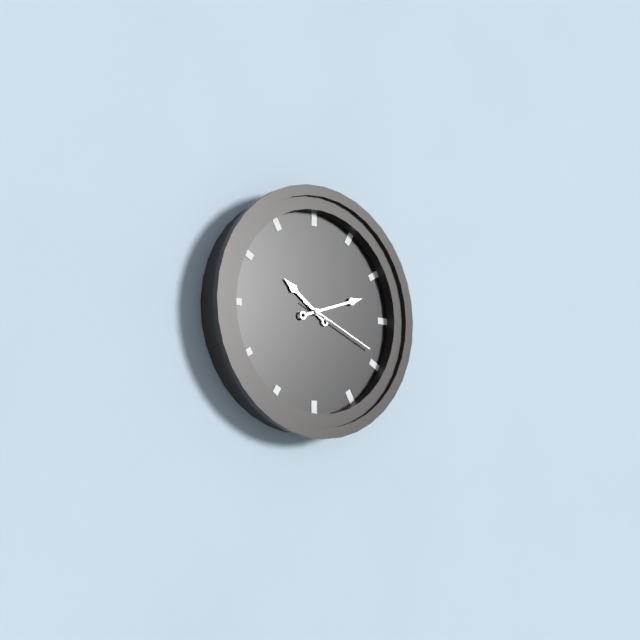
10:12:19
